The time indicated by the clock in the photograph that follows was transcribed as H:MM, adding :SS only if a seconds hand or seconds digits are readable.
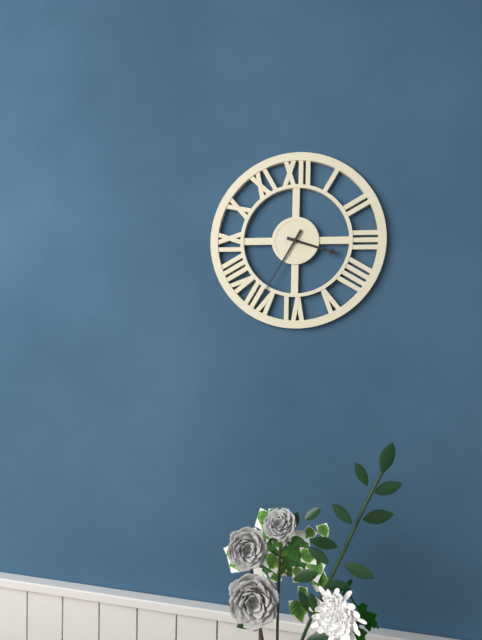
3:35
